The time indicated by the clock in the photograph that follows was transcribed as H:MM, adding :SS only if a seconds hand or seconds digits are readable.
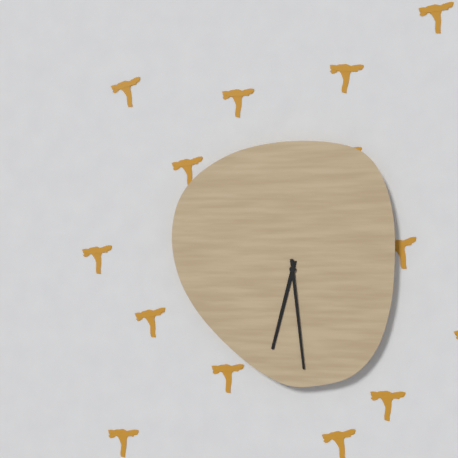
6:29
